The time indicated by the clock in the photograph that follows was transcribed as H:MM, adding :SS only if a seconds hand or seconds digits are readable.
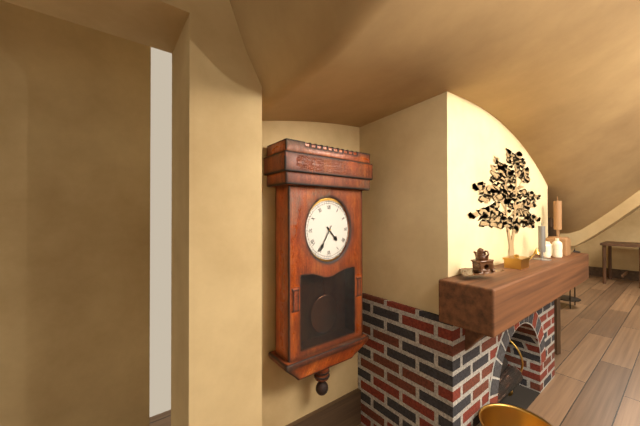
4:35
